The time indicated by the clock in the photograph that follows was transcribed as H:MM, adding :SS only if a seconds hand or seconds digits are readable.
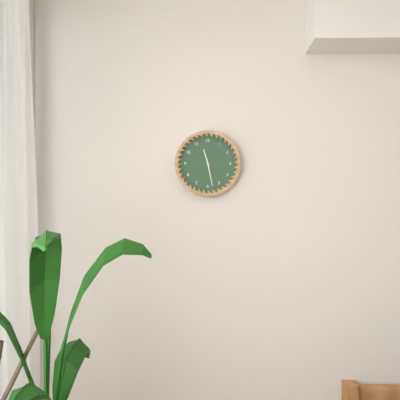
11:28
